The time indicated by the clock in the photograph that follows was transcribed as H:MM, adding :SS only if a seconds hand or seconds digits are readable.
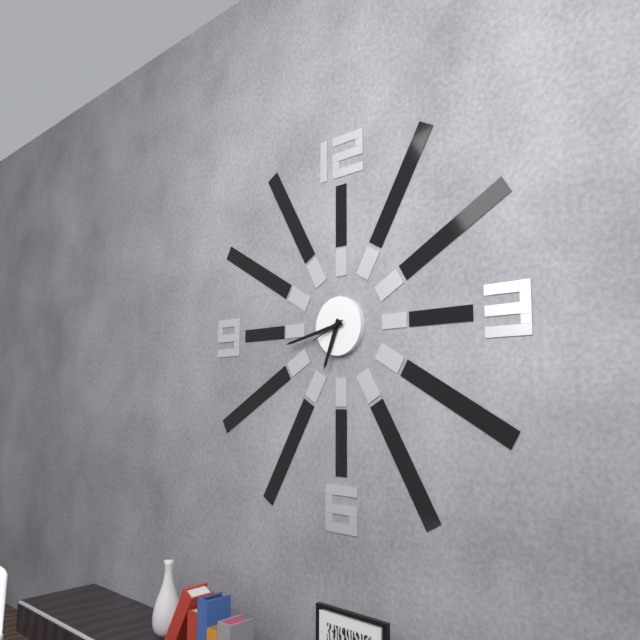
6:43
